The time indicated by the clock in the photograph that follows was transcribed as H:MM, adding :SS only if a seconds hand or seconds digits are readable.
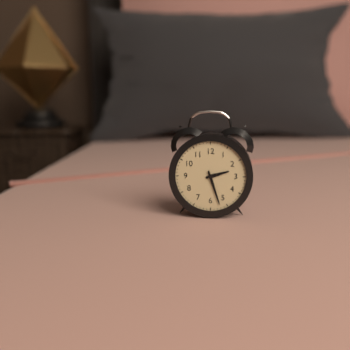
2:27
